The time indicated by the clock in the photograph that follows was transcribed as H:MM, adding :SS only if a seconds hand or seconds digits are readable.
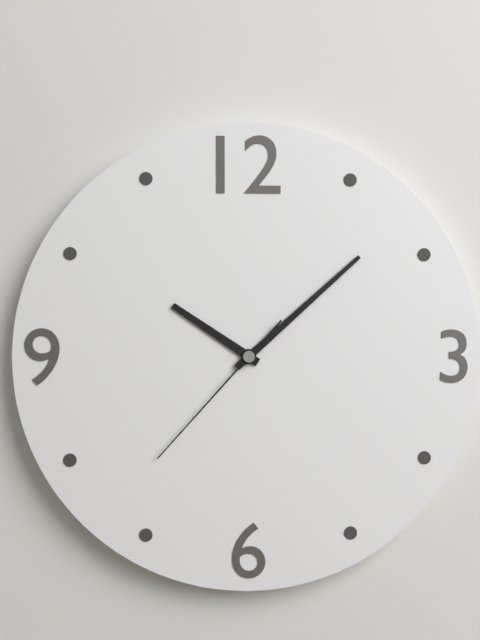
10:08:37
